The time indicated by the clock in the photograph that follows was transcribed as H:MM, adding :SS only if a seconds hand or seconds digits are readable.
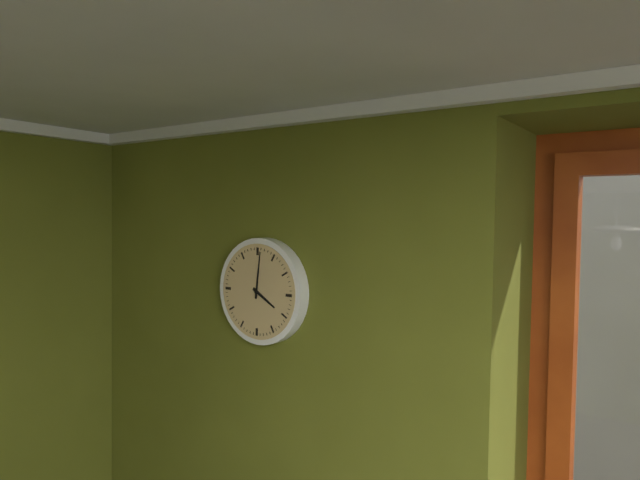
4:01
